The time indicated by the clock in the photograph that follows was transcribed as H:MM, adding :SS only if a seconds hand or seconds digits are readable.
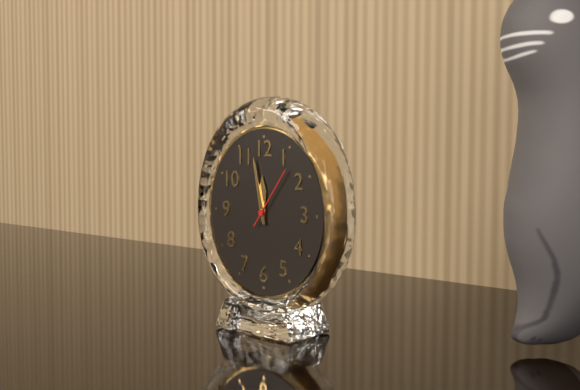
11:58:06
